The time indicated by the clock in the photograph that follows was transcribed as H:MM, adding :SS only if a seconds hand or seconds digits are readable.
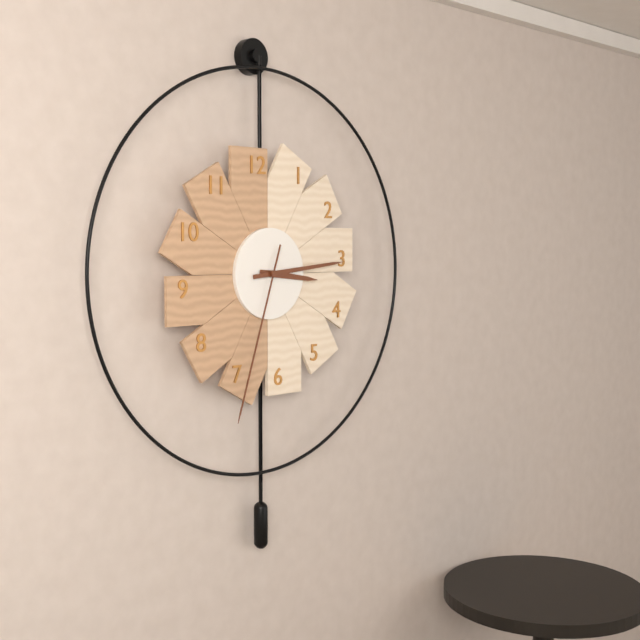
3:14:33
